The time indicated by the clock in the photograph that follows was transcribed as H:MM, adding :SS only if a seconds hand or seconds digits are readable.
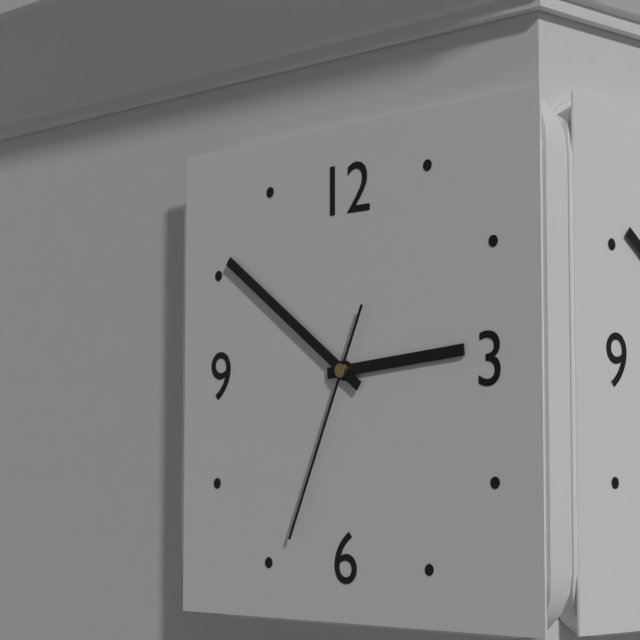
2:51:34
